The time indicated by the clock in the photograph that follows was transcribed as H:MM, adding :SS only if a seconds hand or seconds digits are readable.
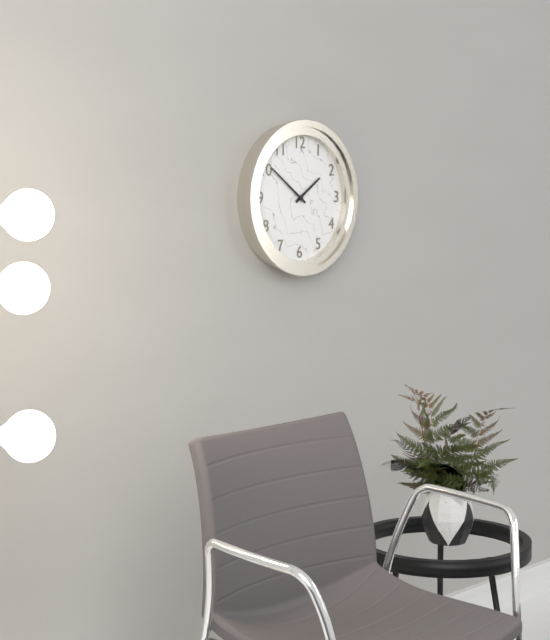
1:51
